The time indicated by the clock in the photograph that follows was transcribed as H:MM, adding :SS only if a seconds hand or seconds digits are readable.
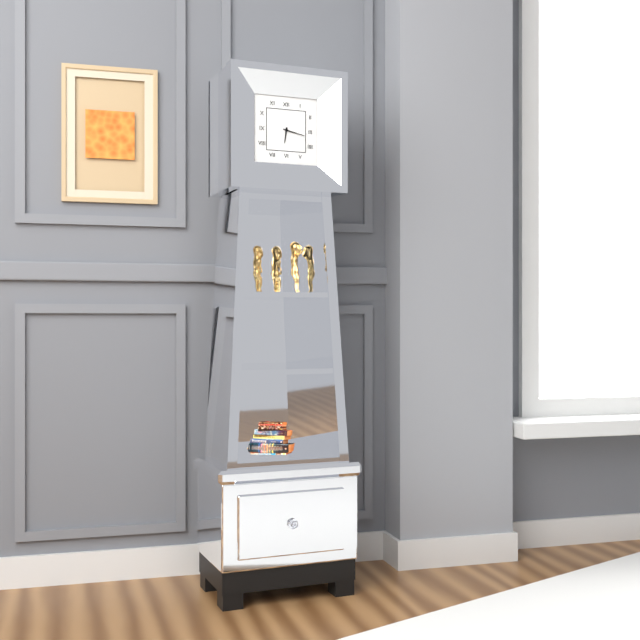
6:17
